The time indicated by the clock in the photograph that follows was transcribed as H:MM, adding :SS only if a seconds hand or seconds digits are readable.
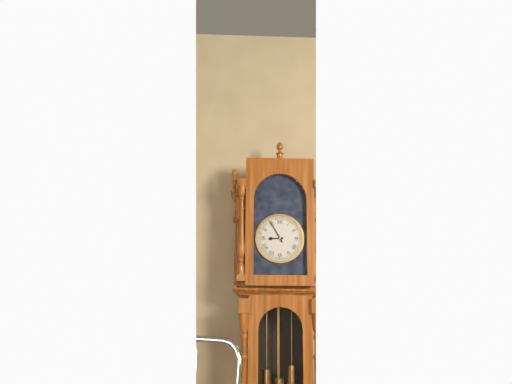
8:55
